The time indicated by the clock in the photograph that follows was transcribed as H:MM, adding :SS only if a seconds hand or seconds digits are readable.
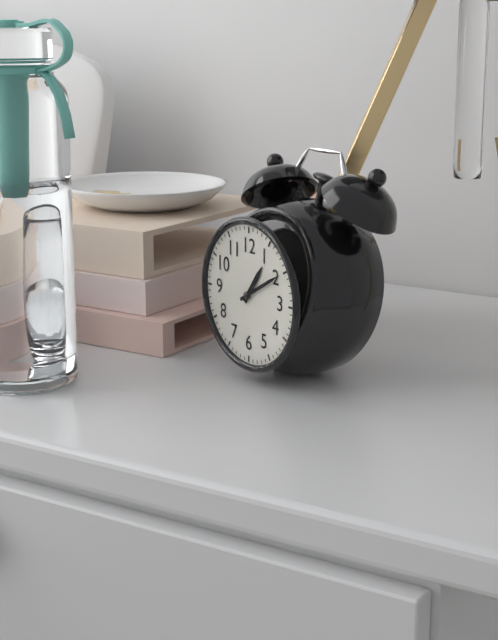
1:10
